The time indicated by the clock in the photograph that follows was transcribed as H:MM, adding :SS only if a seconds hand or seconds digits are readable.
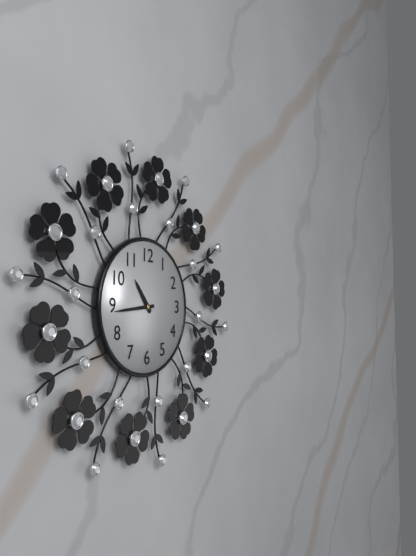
10:44
